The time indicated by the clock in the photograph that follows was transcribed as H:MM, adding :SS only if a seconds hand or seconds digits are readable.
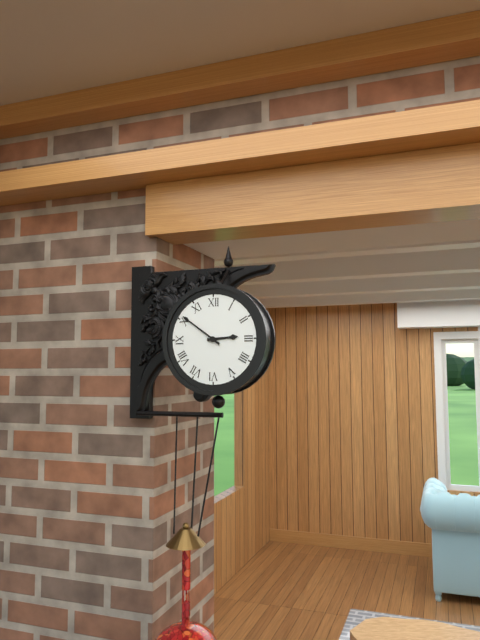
2:51
